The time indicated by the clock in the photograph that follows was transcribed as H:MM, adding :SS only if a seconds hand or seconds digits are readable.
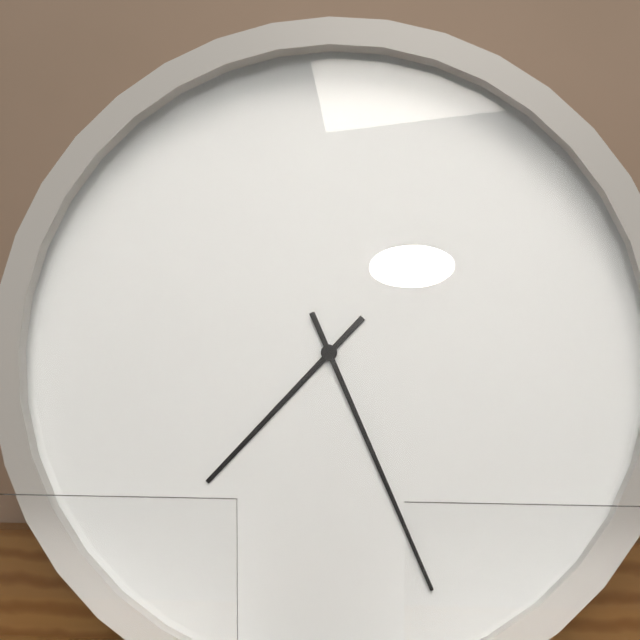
7:26
